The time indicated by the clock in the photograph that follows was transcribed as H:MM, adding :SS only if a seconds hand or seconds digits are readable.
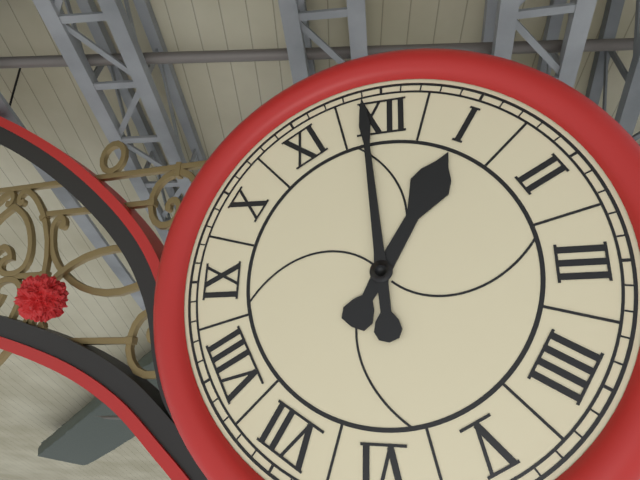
12:59
